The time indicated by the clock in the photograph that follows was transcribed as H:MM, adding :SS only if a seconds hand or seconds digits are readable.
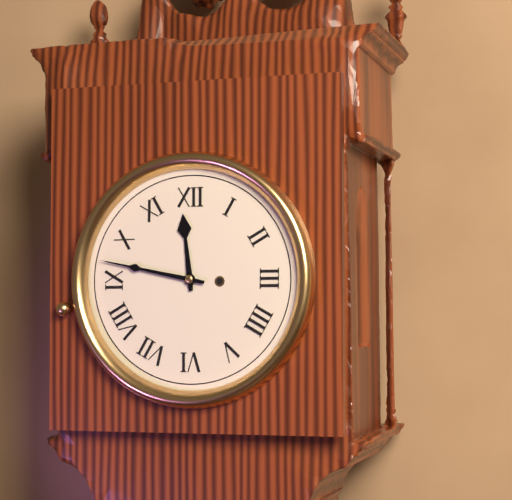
11:47
